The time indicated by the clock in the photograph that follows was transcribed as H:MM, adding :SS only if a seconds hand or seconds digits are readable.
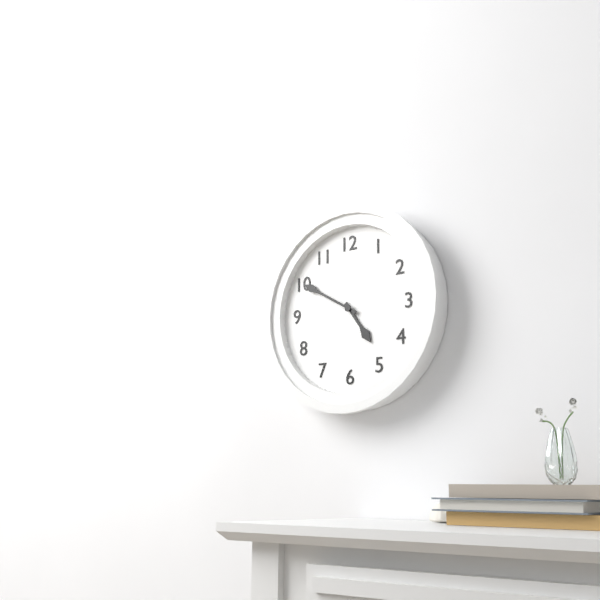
4:50
